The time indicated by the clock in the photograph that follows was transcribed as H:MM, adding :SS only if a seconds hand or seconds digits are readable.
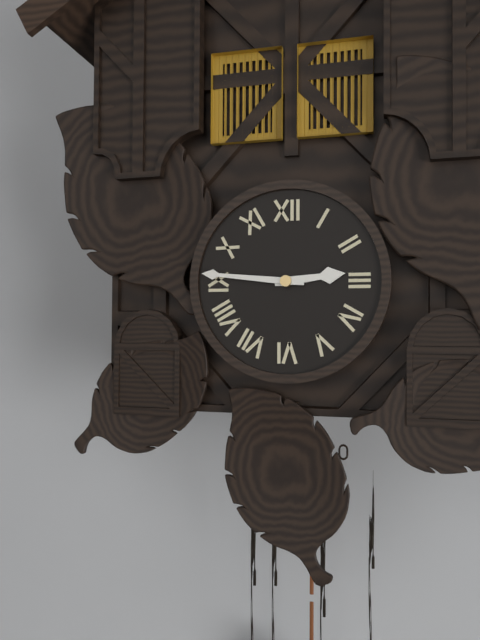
2:46
